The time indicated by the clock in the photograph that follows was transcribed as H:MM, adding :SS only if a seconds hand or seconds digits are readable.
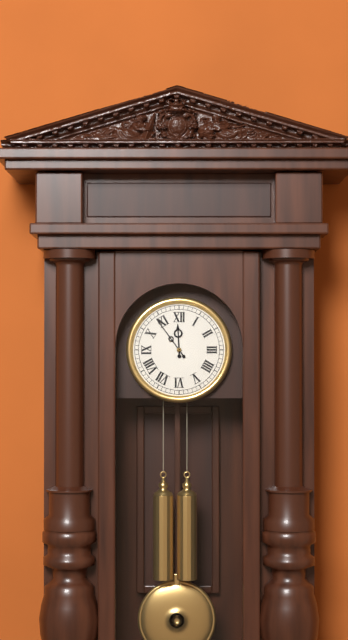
11:54
